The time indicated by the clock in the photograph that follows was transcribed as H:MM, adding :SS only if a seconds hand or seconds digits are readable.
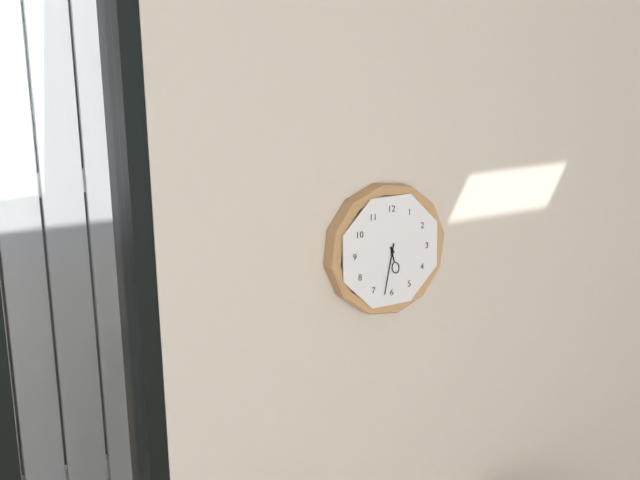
5:32
